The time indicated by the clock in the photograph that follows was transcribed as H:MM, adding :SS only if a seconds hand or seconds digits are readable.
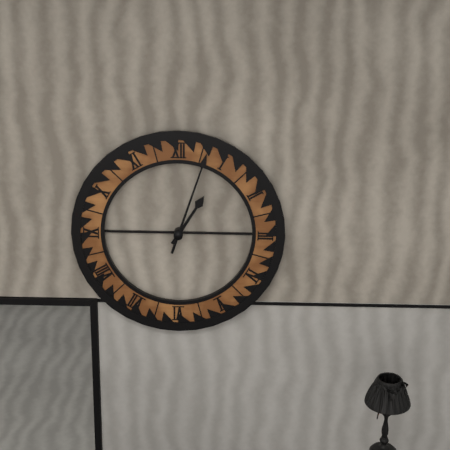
1:03
